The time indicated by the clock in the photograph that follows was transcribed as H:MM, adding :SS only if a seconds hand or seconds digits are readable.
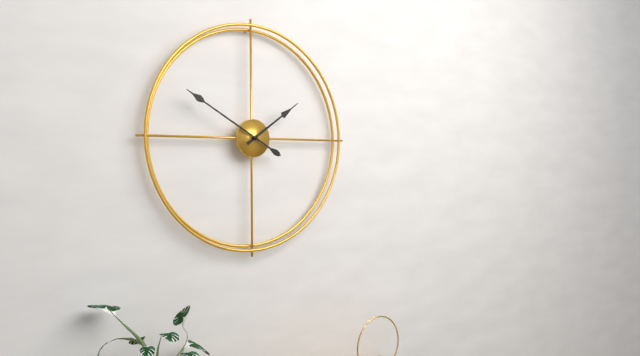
1:50
